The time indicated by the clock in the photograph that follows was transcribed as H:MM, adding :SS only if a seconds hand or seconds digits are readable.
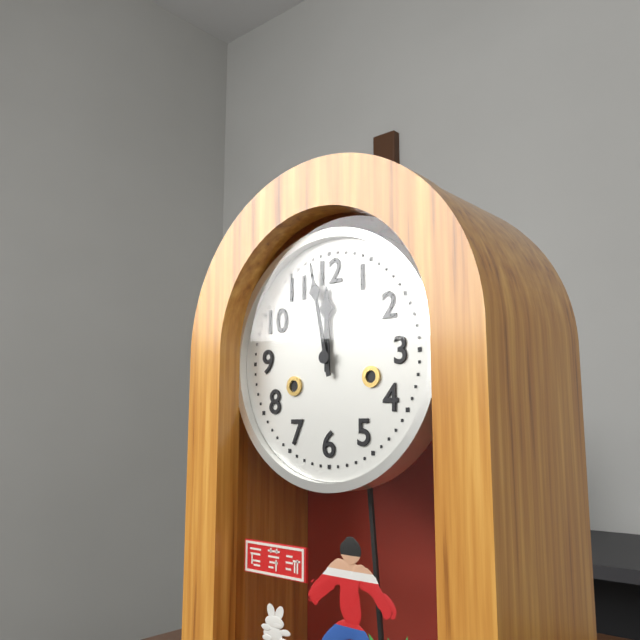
11:58
